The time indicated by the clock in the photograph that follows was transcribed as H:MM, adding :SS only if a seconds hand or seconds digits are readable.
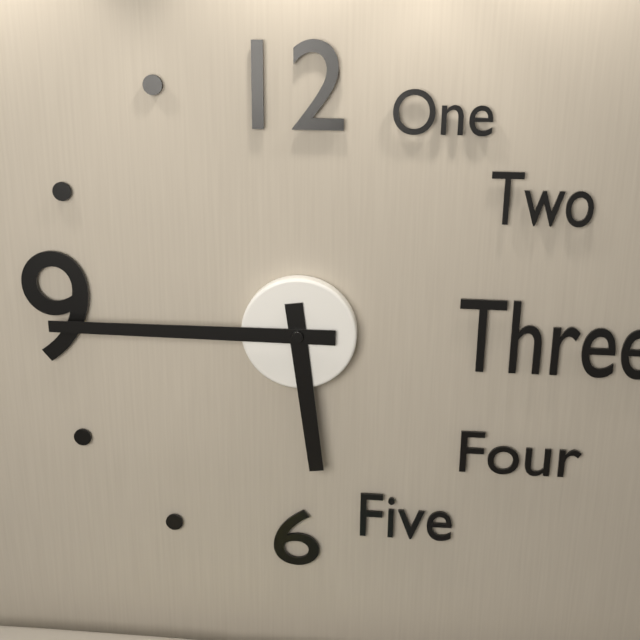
5:45
